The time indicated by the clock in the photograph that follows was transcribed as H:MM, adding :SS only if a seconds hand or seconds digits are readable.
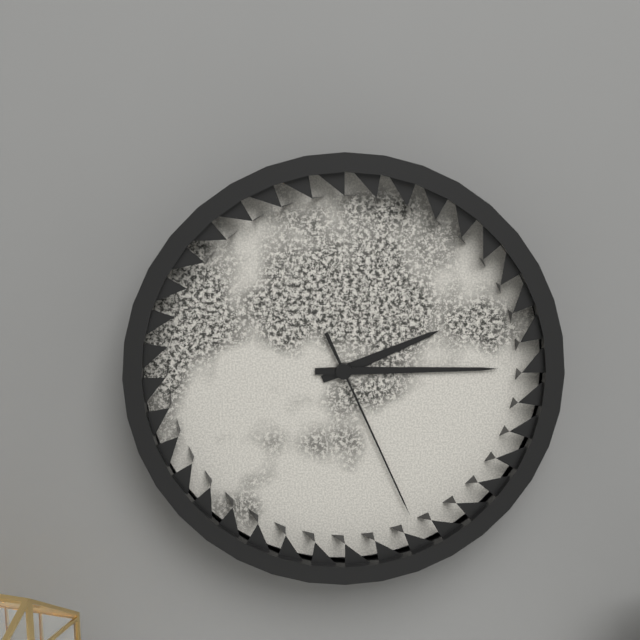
2:15:26
